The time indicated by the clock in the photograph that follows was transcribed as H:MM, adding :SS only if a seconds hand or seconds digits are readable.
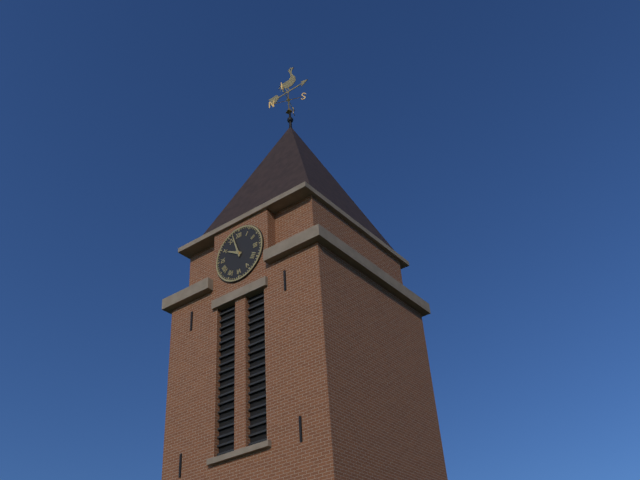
9:57
